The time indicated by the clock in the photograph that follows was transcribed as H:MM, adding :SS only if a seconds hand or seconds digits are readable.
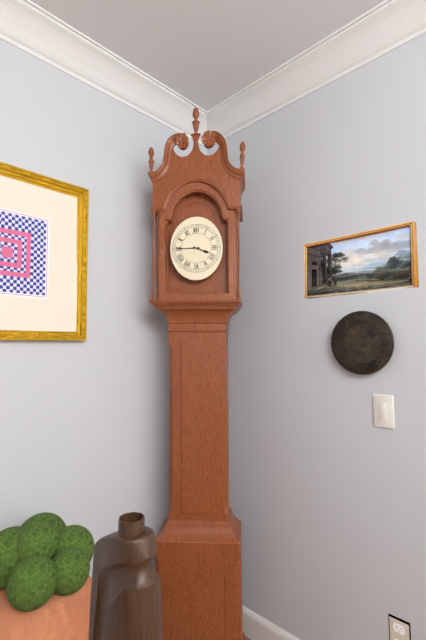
3:45
